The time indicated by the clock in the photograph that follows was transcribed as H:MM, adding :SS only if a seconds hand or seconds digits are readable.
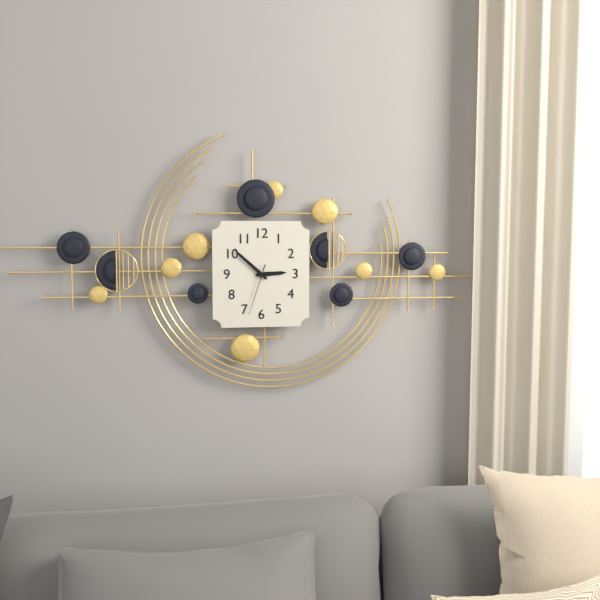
2:52:33
